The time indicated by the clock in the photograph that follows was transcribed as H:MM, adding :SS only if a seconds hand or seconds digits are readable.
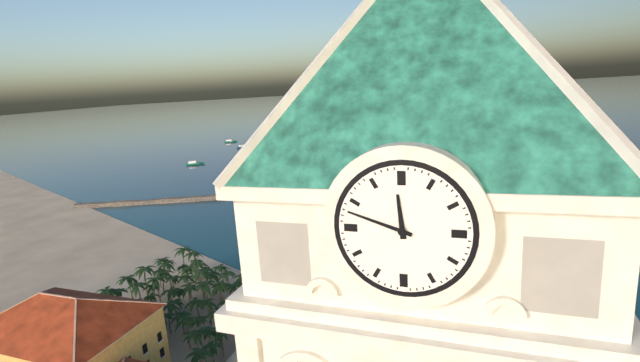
11:48
